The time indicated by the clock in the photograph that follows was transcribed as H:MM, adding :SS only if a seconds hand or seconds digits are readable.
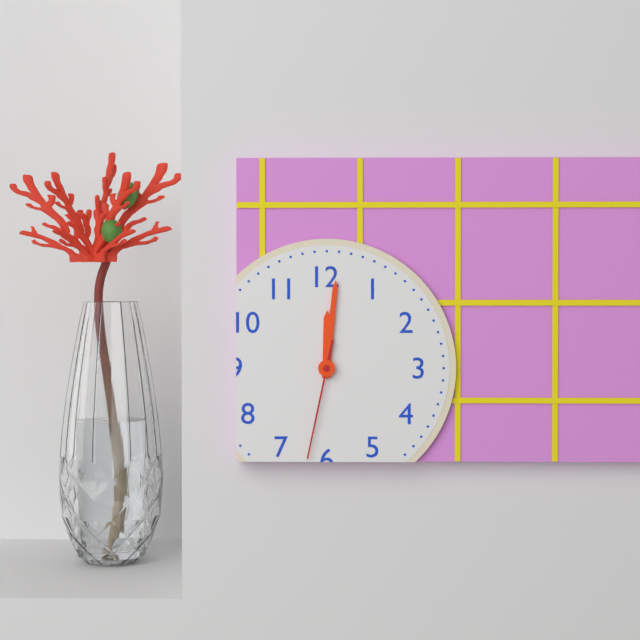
12:01:32
